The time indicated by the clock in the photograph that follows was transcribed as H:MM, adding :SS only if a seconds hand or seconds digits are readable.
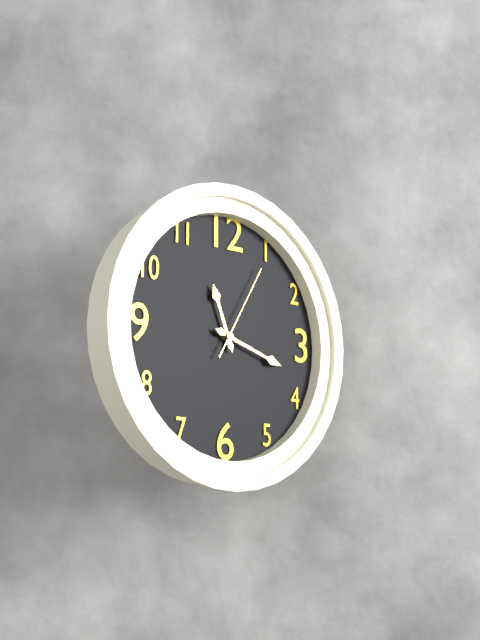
11:18:05
